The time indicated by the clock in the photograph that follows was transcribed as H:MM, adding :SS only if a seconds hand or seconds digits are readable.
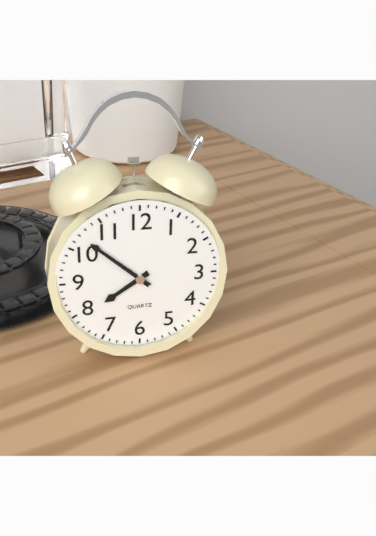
7:52
